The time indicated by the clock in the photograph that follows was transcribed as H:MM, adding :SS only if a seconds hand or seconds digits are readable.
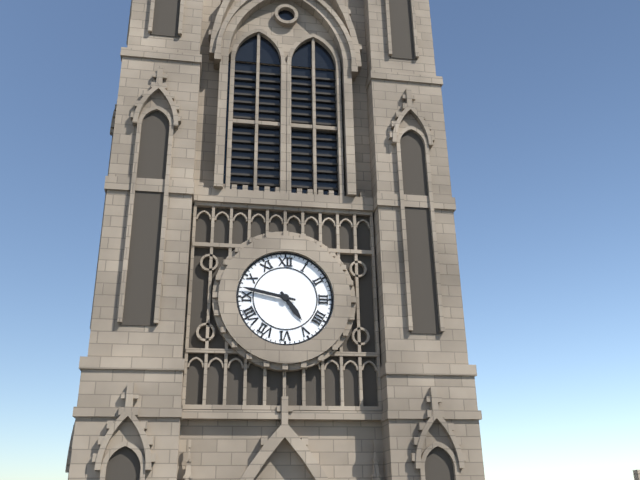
4:47
